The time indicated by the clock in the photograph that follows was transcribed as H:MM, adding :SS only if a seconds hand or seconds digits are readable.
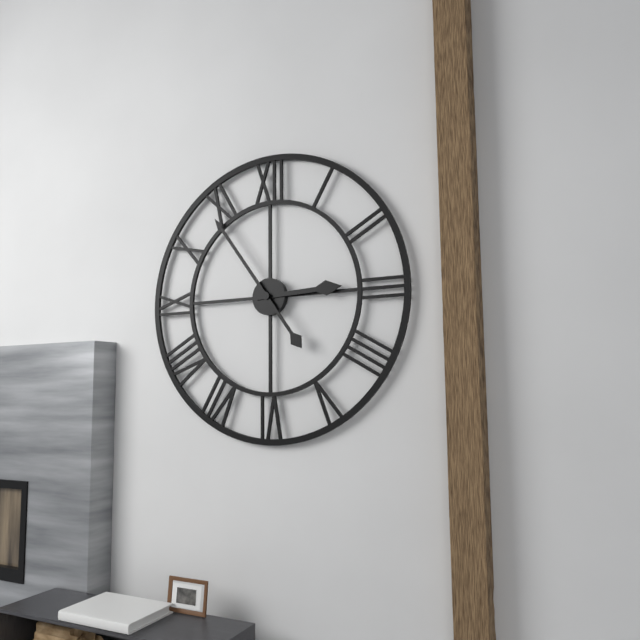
2:54
